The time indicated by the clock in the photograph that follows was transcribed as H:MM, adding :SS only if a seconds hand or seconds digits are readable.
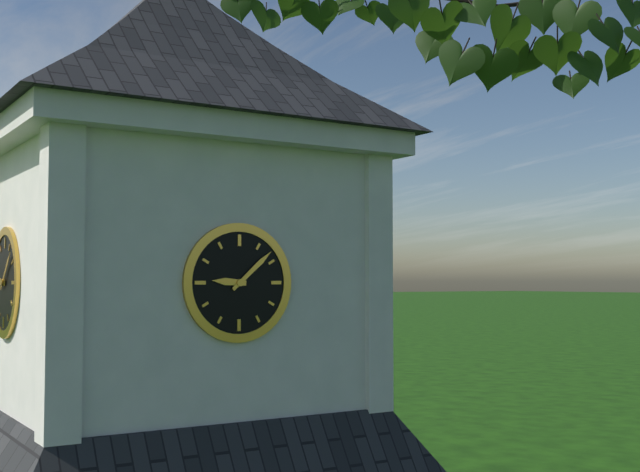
9:08
